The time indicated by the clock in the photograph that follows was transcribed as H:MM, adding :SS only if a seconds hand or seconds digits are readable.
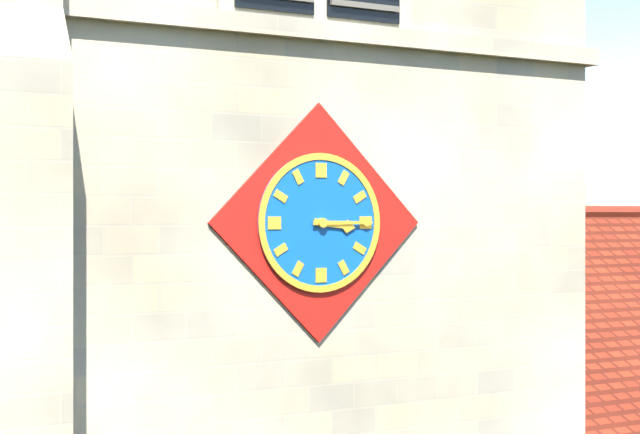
3:15
